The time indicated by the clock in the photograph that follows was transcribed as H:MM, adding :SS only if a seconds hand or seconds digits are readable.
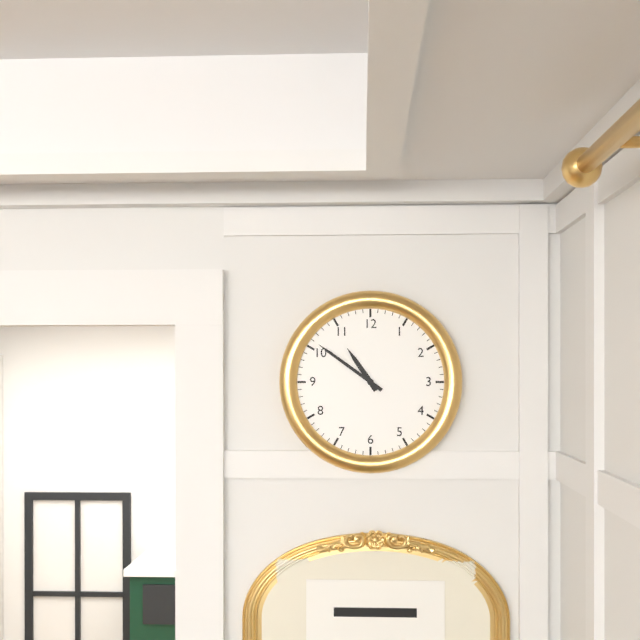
10:51
